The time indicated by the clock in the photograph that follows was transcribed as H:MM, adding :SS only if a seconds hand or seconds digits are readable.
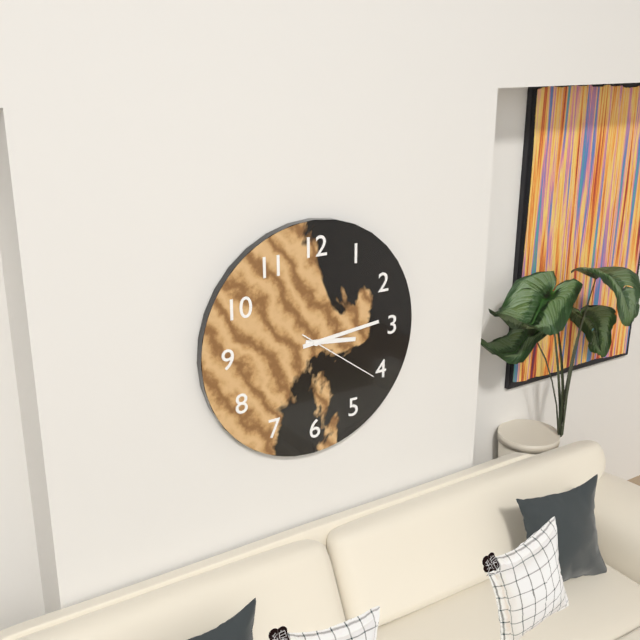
3:14:21
